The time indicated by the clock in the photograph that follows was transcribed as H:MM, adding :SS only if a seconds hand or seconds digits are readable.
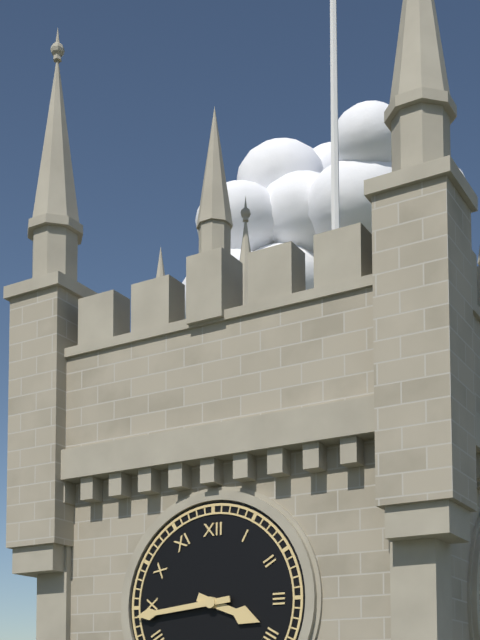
3:44
